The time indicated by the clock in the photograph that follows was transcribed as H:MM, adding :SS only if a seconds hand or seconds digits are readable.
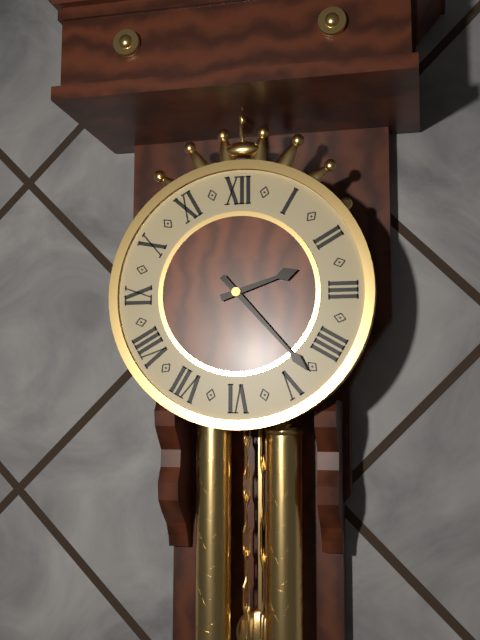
2:23
